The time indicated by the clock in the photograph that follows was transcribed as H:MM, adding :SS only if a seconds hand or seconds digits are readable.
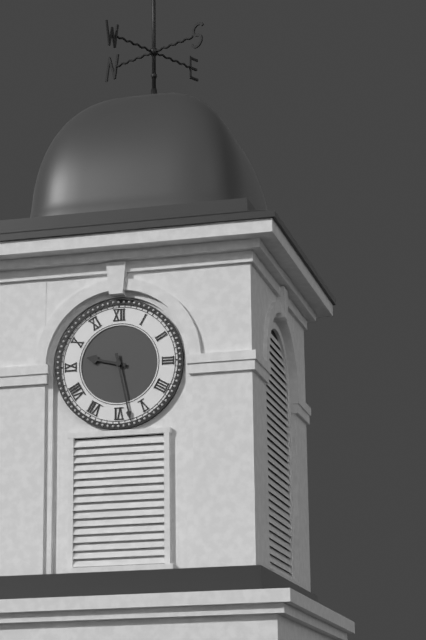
9:28
